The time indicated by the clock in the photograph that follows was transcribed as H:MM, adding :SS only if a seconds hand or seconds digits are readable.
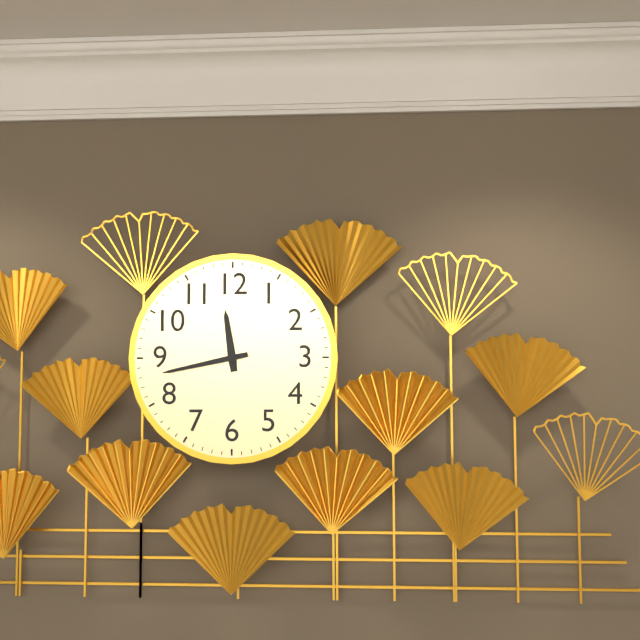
11:43
